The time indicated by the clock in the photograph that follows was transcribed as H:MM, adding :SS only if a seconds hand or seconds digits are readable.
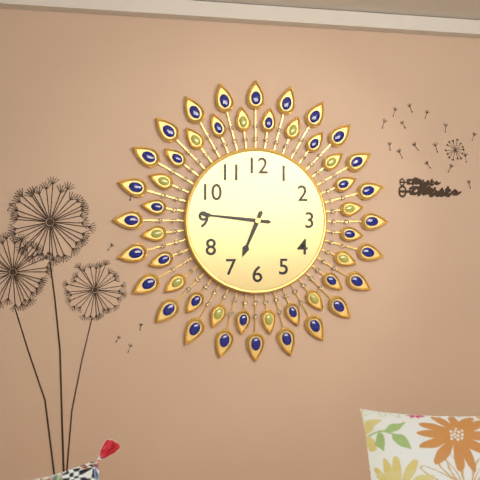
6:46
